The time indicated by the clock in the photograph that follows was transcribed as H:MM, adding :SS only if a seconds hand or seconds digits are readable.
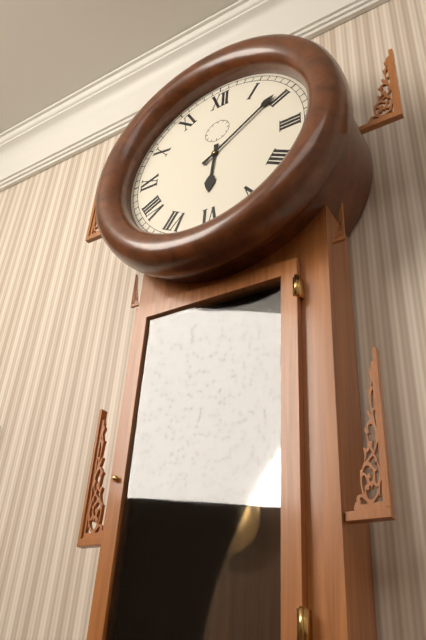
6:09
